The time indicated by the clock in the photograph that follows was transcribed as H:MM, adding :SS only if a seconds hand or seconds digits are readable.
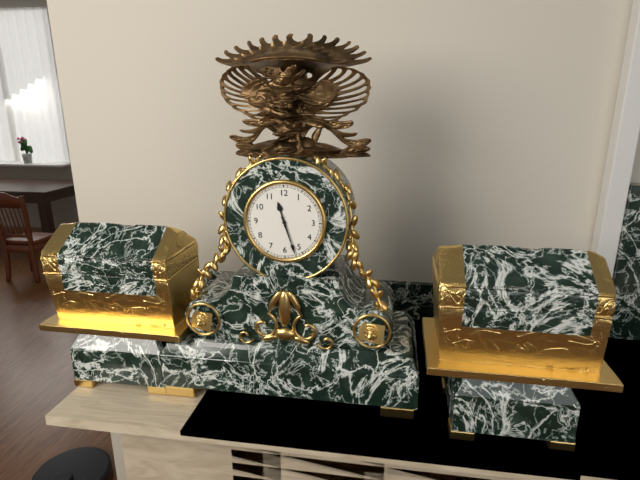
11:27
